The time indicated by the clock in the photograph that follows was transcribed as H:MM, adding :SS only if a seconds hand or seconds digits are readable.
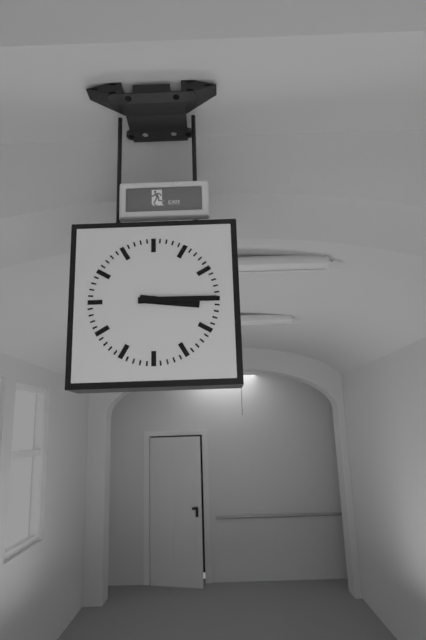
3:15
